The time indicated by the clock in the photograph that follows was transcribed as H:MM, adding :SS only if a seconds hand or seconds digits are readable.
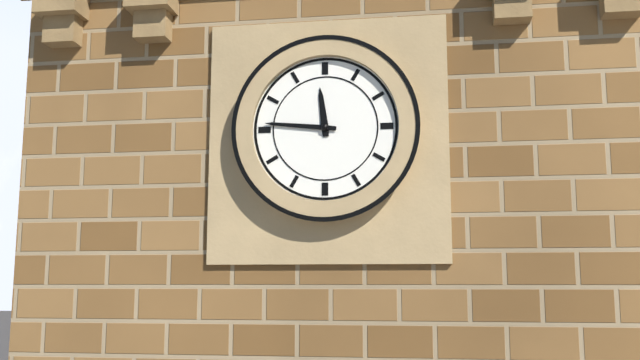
11:46
